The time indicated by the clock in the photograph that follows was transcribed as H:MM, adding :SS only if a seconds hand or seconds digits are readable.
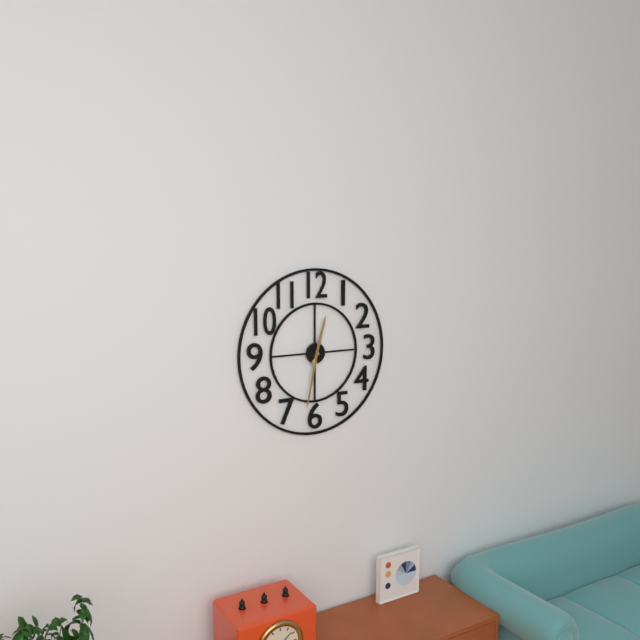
12:32
